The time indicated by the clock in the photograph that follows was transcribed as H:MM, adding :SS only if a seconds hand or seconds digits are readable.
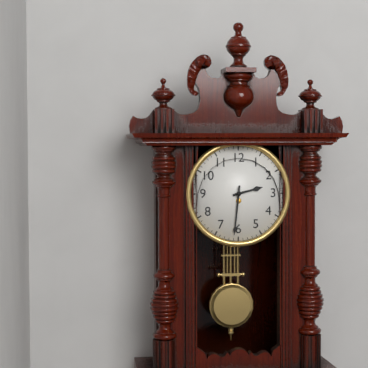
2:31
